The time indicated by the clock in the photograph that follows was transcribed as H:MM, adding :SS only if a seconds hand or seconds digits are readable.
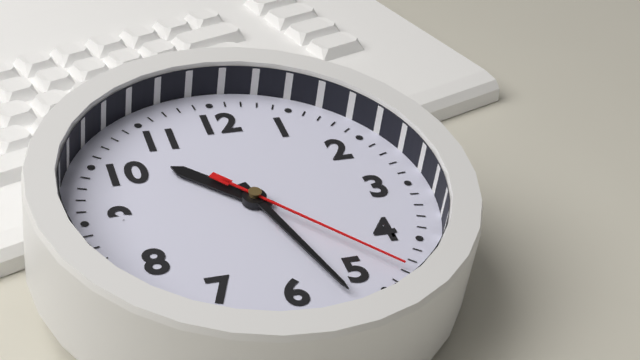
10:27:23
